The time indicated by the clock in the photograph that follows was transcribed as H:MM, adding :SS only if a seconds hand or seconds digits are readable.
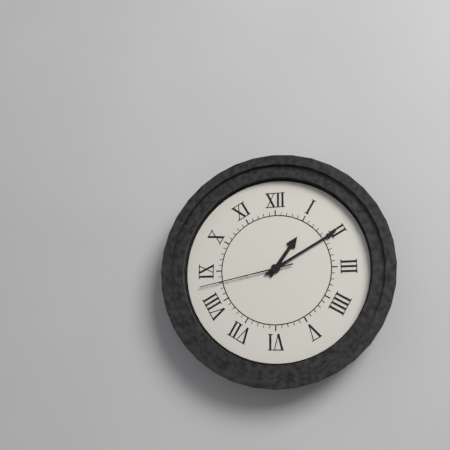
1:10:43
